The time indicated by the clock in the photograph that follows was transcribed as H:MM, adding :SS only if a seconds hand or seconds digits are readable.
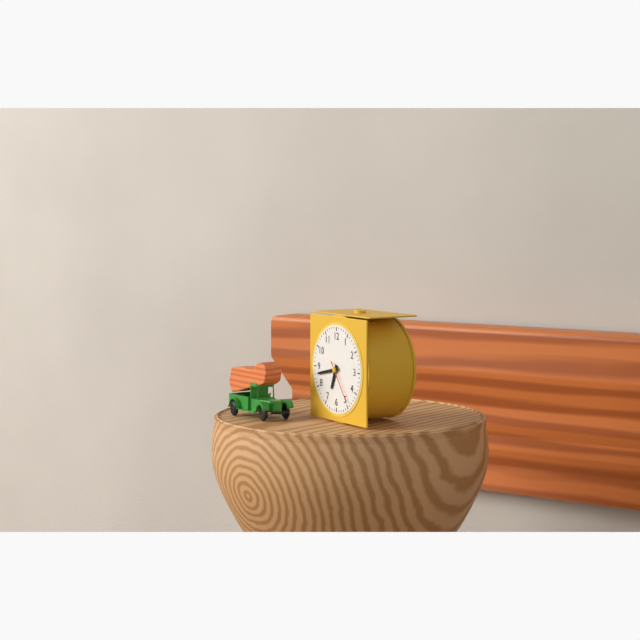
6:43
